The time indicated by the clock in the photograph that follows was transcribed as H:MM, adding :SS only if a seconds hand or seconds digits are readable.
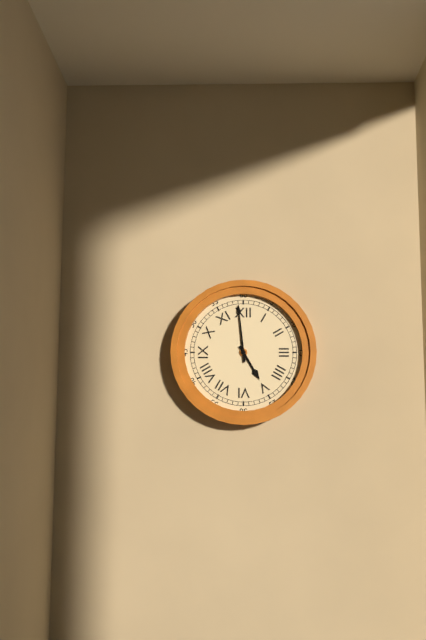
4:59
